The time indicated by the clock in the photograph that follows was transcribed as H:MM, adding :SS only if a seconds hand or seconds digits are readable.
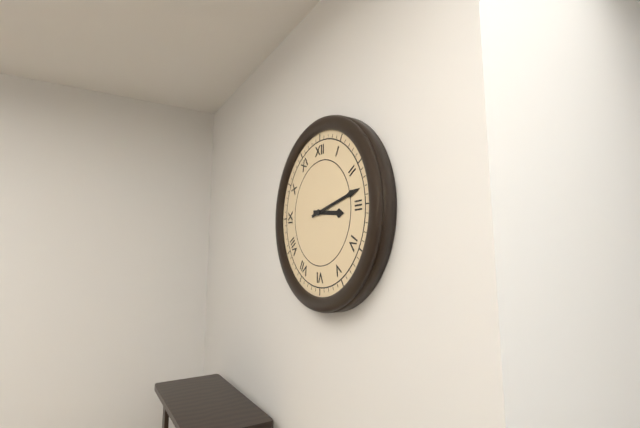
3:13
